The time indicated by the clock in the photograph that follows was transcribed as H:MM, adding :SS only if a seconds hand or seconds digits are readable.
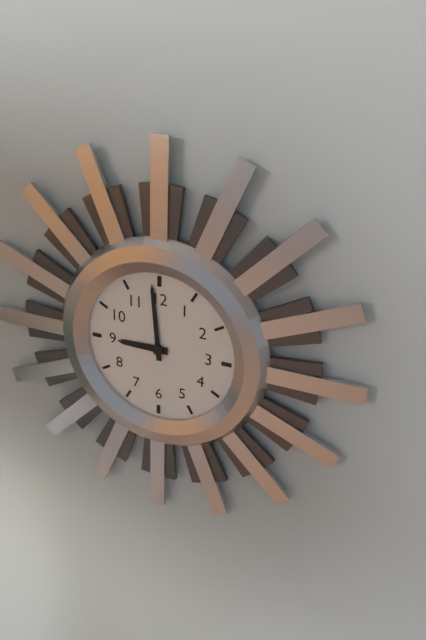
8:59
